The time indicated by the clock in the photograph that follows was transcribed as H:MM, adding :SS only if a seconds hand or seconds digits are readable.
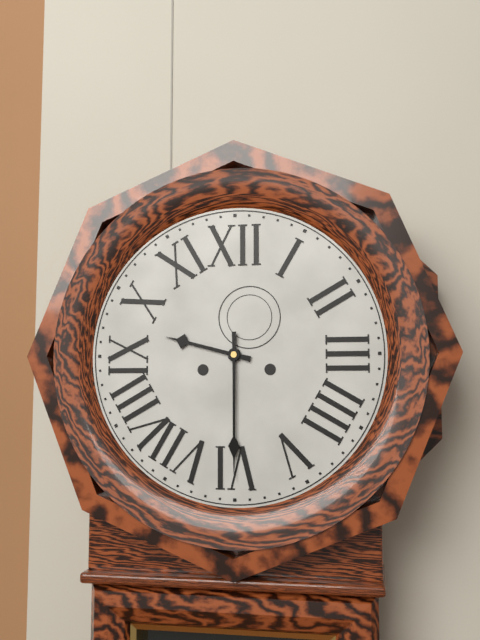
9:30
